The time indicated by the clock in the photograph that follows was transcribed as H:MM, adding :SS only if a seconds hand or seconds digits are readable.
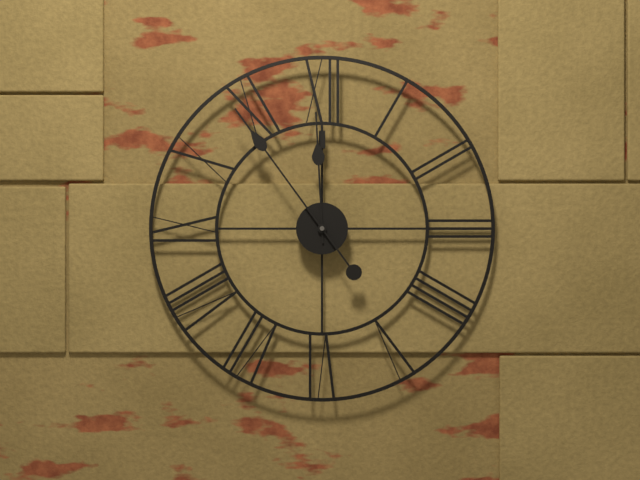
11:54
